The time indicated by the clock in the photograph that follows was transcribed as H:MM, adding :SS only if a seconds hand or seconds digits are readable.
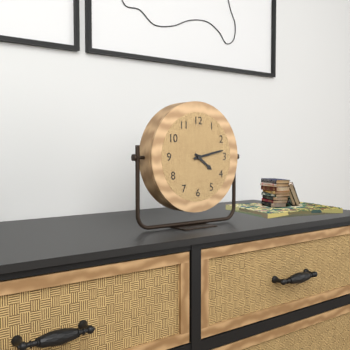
4:13
